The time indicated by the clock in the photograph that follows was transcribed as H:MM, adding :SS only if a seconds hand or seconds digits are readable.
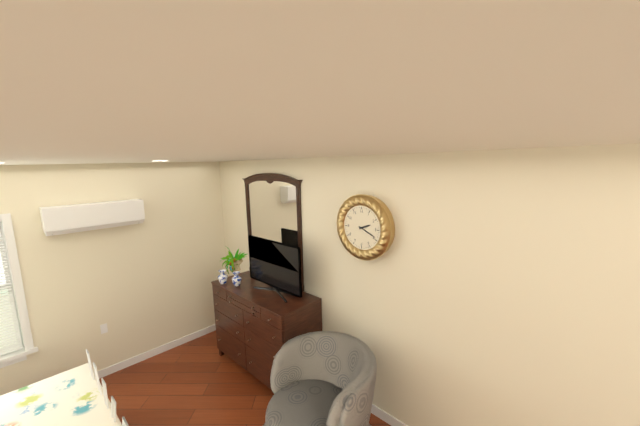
2:19
